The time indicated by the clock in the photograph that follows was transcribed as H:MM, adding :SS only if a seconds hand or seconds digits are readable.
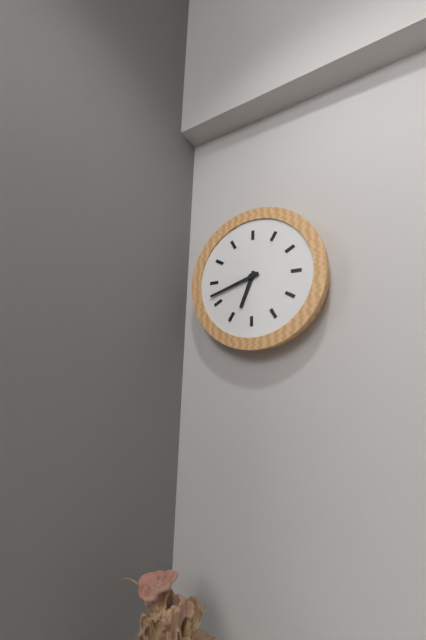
6:42
